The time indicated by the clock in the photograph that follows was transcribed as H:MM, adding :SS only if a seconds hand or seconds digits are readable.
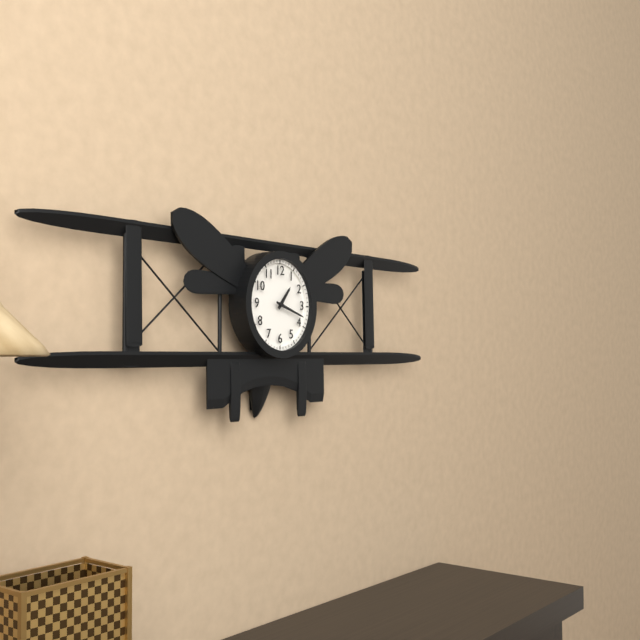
1:18
